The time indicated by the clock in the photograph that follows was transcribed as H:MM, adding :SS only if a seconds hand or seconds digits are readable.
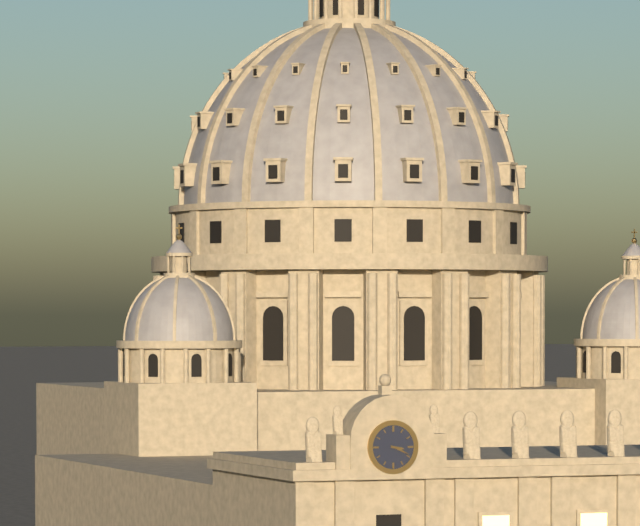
3:19
